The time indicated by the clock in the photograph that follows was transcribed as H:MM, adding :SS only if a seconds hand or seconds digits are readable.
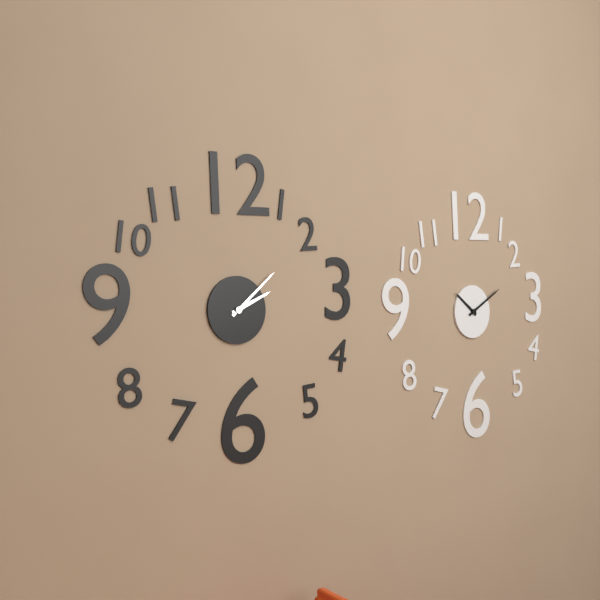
2:08
